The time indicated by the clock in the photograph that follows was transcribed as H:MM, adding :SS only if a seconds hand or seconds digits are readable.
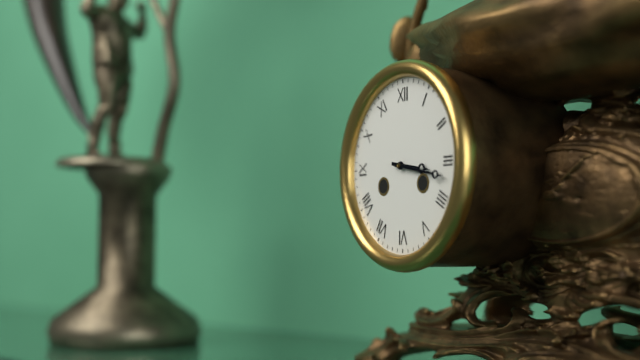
3:17
